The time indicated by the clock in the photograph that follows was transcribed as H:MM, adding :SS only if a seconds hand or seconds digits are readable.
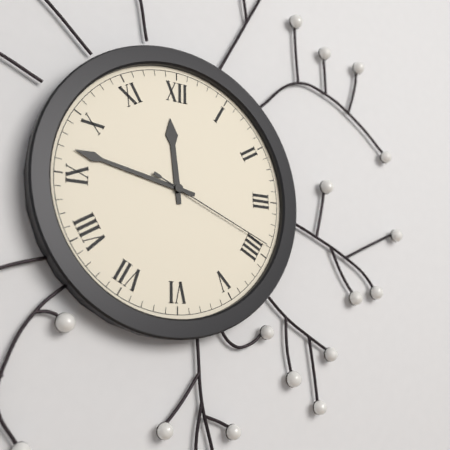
11:47:19
